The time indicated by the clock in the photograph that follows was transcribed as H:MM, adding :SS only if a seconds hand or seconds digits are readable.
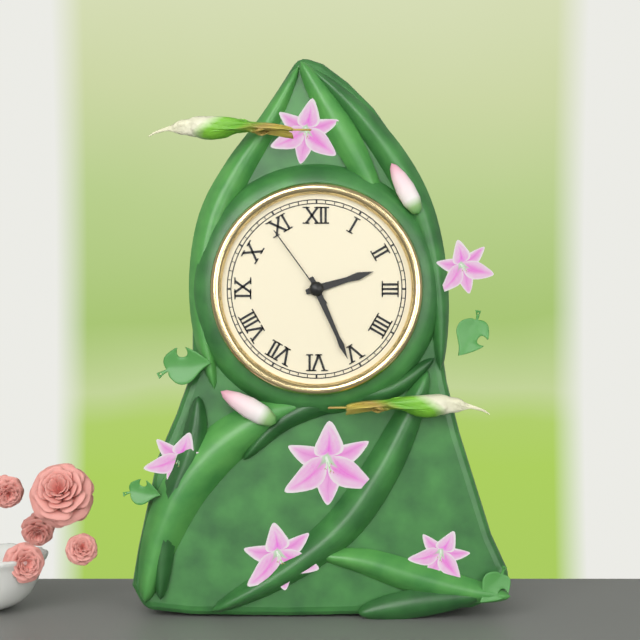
2:26:54
